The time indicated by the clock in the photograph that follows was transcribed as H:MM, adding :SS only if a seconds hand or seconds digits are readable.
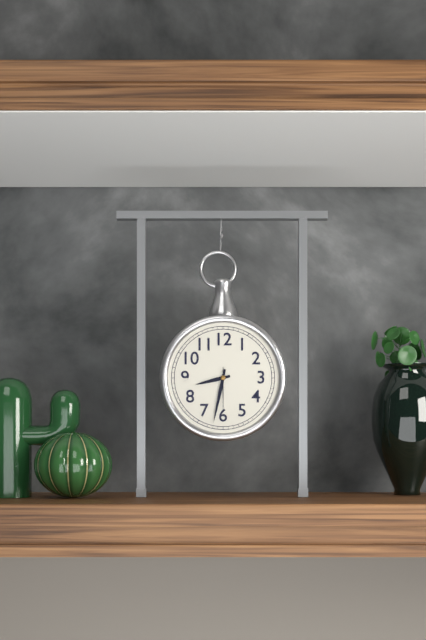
8:32
